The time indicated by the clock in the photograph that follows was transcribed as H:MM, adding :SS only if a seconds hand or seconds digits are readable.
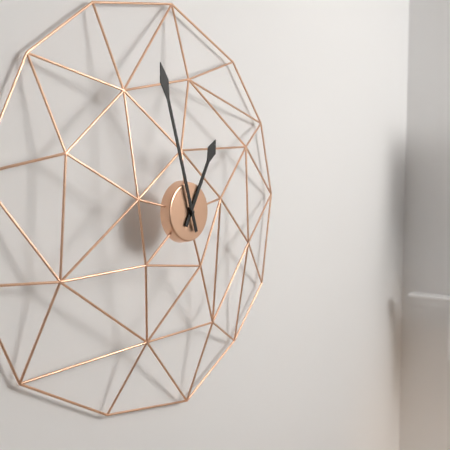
12:57
